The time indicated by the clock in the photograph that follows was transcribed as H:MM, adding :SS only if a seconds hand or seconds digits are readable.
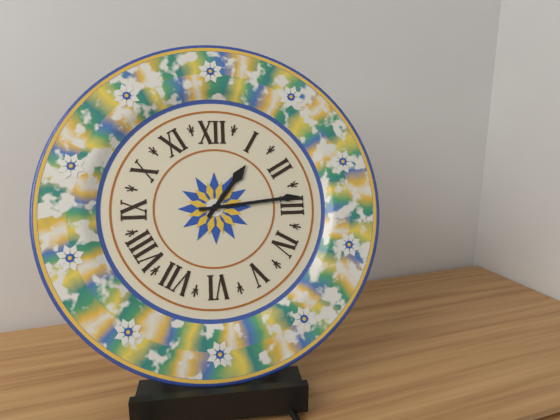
1:14
